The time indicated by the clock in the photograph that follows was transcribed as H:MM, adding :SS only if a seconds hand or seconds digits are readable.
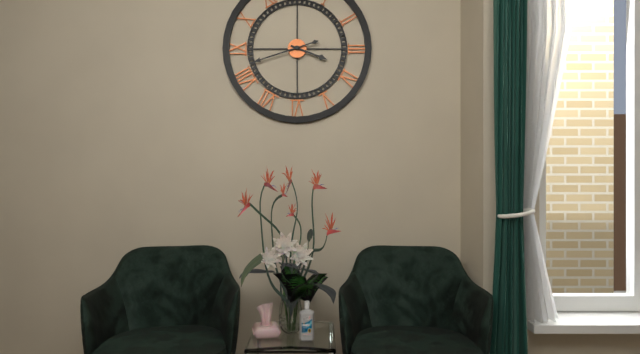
3:42
